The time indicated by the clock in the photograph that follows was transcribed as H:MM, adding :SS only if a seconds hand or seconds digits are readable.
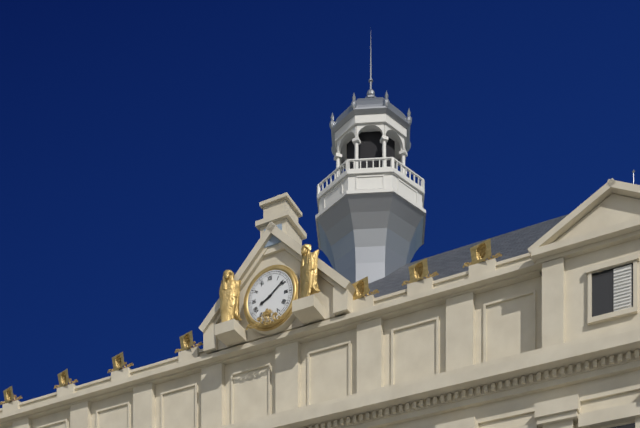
8:09
